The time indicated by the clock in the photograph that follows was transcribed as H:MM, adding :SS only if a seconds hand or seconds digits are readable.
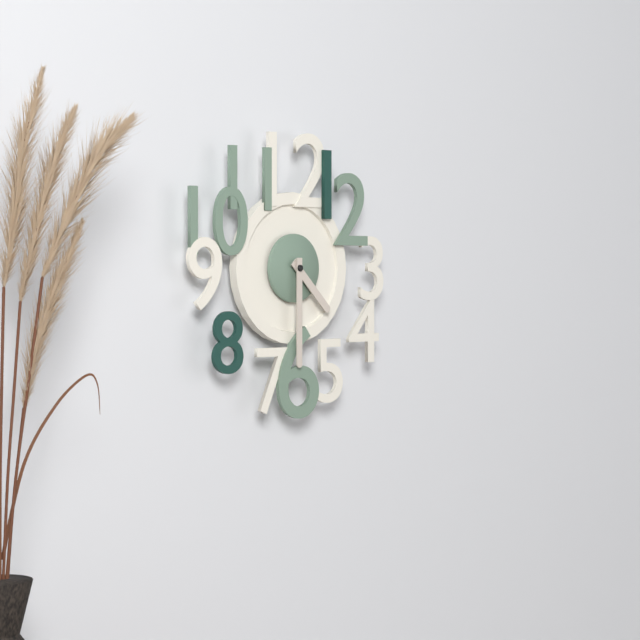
4:30
